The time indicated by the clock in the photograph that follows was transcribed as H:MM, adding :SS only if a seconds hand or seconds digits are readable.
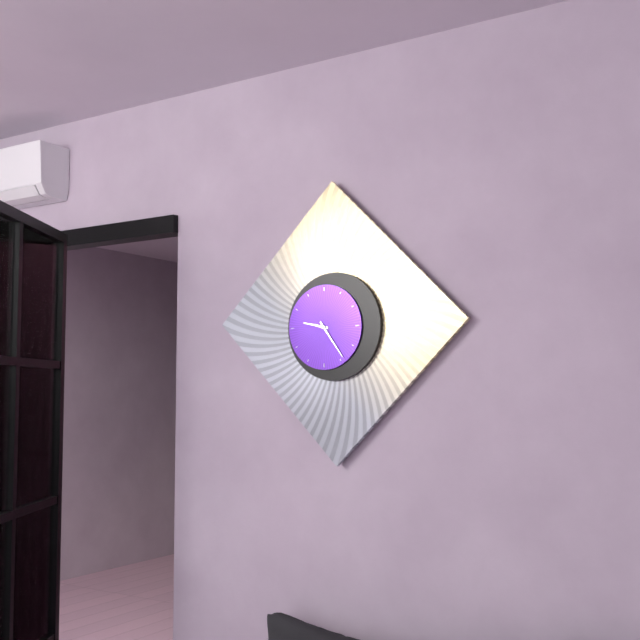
9:24
